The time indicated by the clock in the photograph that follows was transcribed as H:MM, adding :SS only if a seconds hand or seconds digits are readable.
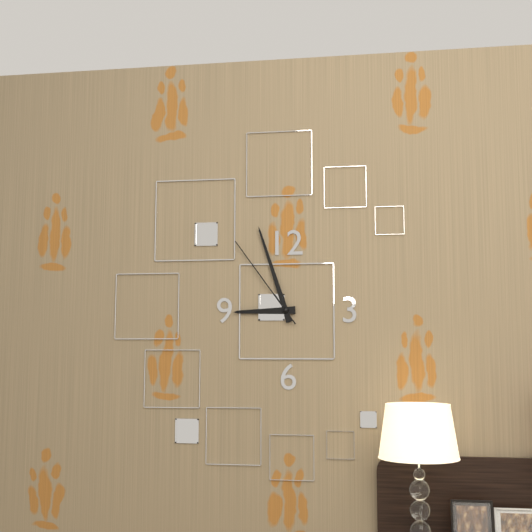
8:57:54
